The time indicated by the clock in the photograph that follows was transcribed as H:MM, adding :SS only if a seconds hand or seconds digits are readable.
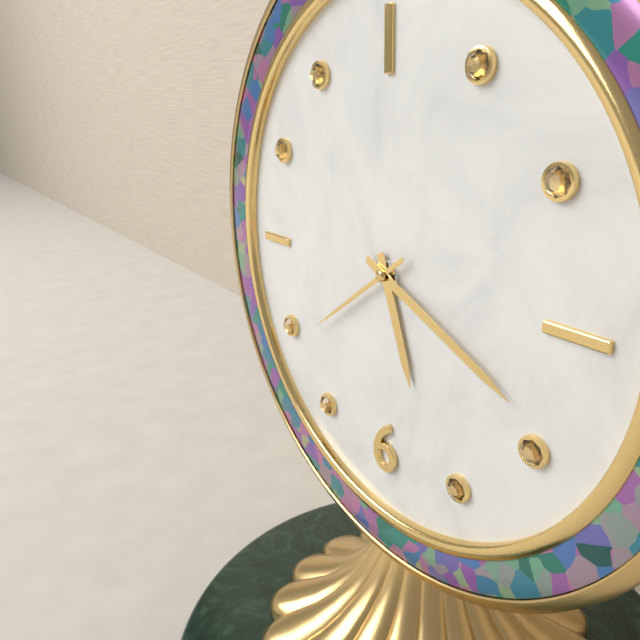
5:19:39
